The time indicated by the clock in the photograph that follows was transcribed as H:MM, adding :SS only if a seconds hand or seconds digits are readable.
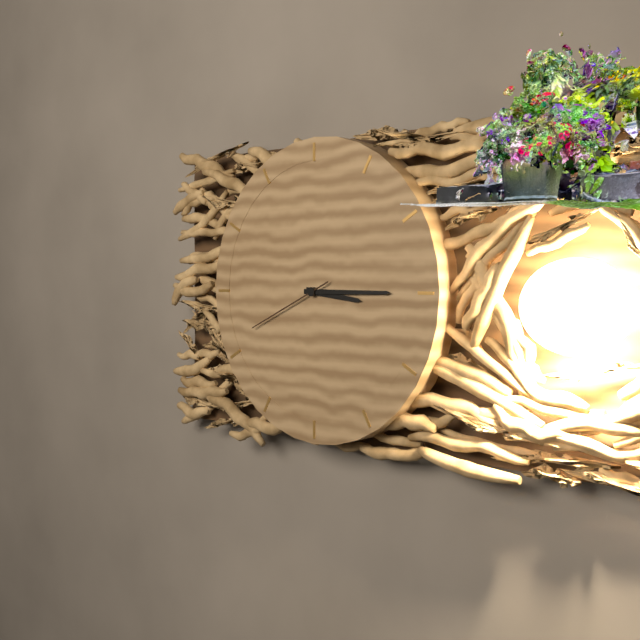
3:15:41
